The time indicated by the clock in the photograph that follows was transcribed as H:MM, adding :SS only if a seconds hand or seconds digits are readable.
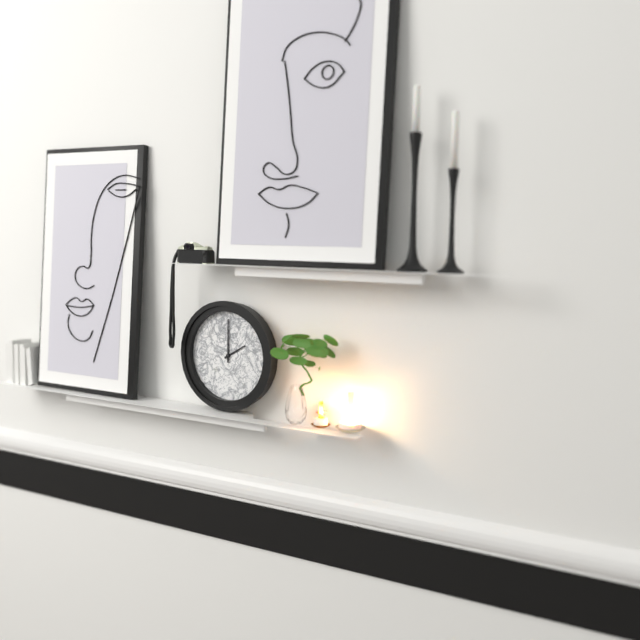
2:00
